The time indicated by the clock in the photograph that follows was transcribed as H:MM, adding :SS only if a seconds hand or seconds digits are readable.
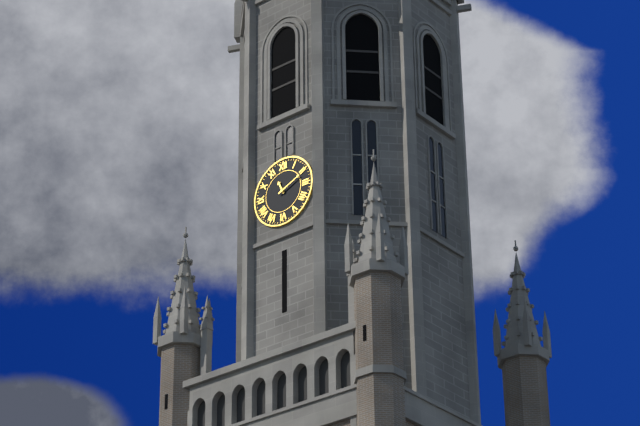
11:11
